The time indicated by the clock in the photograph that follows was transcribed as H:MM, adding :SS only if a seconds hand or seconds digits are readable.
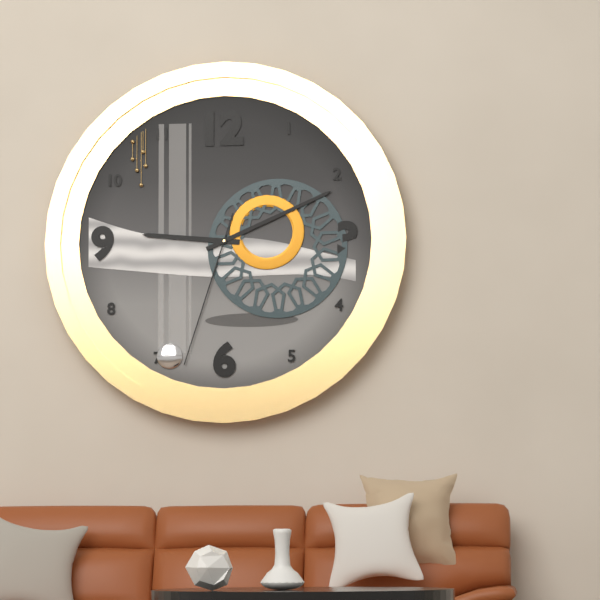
9:11:33
